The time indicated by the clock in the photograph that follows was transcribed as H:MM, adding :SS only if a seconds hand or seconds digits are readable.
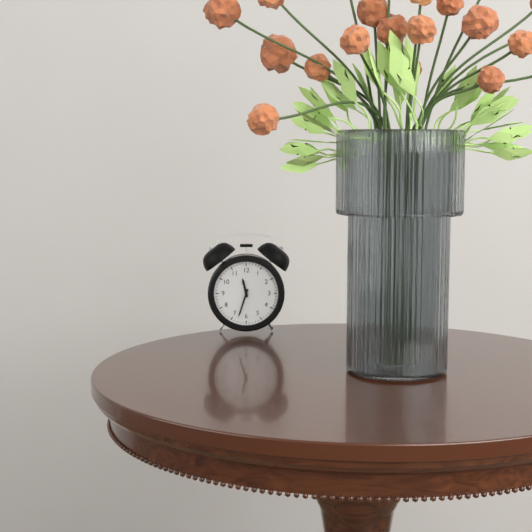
11:33
